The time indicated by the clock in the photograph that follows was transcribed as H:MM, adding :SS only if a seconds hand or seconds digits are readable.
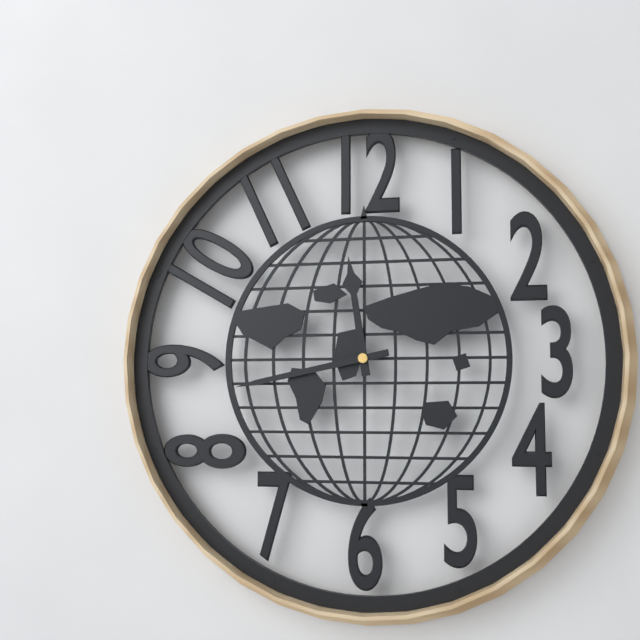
11:43
